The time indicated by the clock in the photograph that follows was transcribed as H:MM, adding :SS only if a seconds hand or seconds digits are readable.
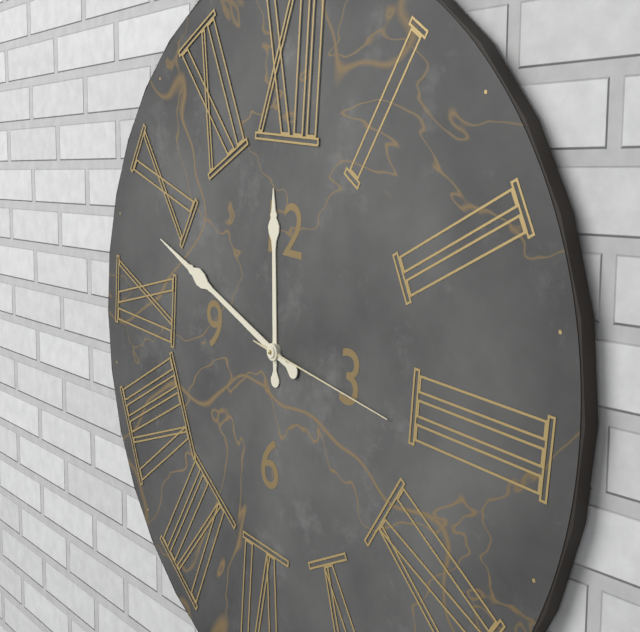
11:48:16
